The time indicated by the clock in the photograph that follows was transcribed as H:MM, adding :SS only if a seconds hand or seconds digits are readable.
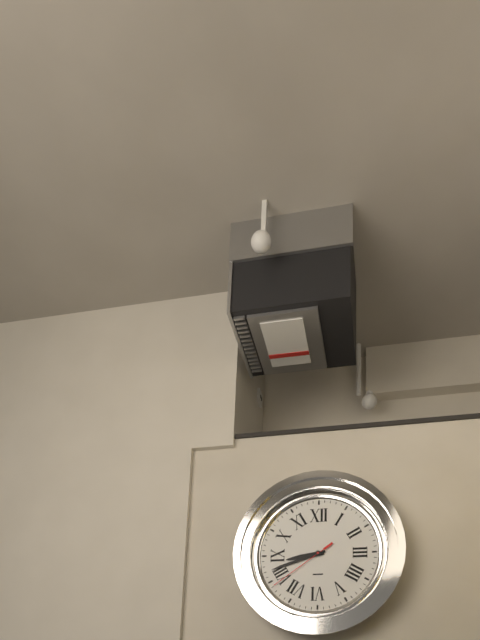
8:42:39
